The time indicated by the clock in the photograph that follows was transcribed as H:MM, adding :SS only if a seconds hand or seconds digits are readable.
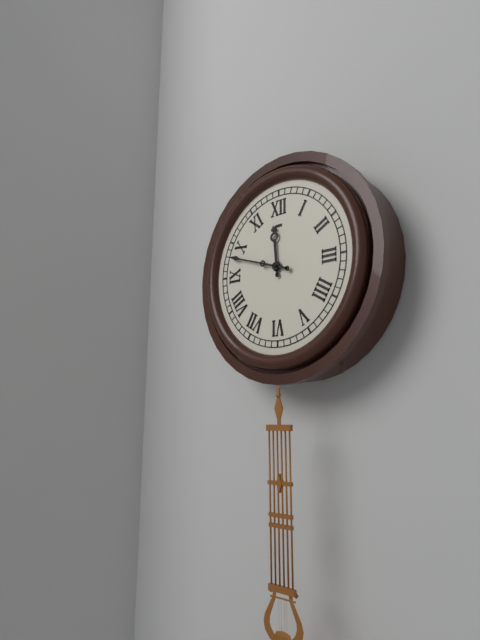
11:48
